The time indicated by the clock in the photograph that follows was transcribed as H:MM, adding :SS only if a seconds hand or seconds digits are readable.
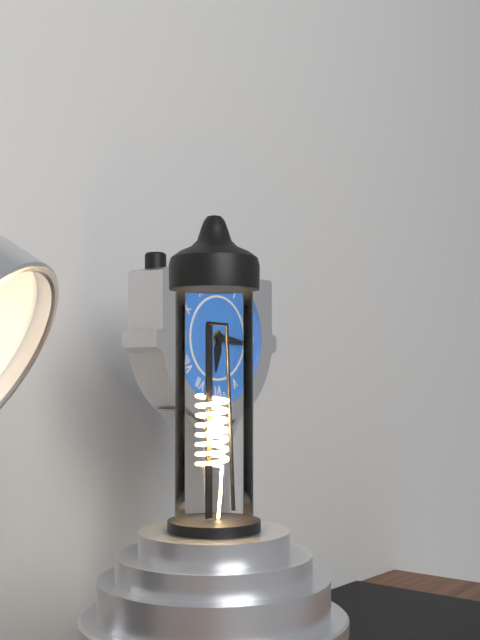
6:16
